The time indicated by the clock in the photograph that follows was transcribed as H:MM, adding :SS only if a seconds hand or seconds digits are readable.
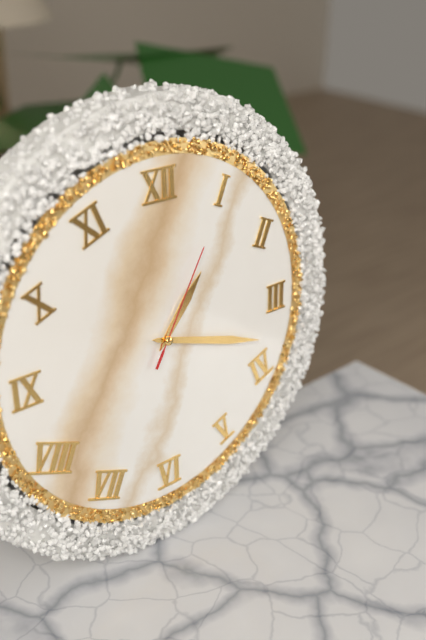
1:18:05
